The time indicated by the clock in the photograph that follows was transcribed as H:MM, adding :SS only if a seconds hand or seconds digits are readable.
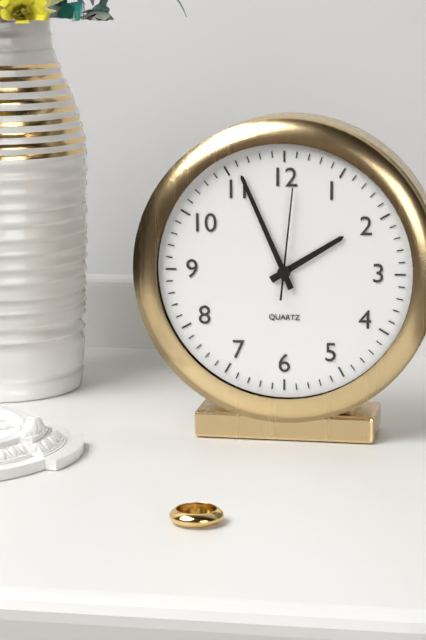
1:56:01
